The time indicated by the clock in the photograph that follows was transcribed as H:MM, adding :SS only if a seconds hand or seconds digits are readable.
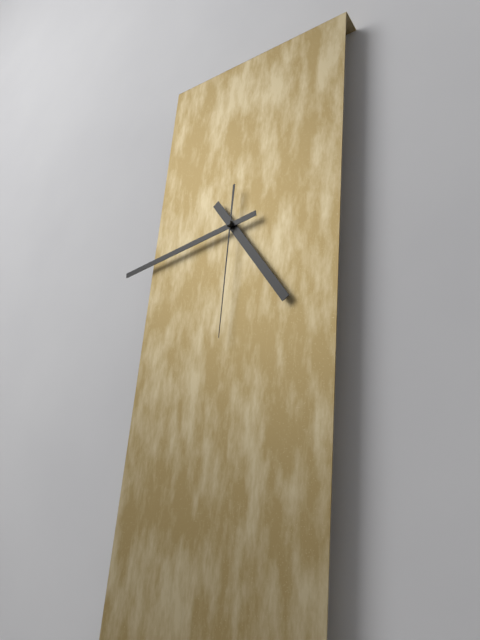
4:43:30
